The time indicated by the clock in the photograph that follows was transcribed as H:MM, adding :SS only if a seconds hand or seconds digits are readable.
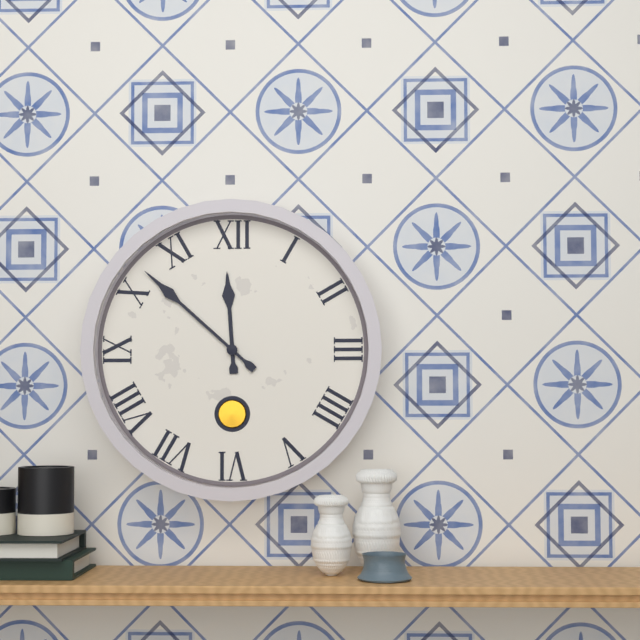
11:52
